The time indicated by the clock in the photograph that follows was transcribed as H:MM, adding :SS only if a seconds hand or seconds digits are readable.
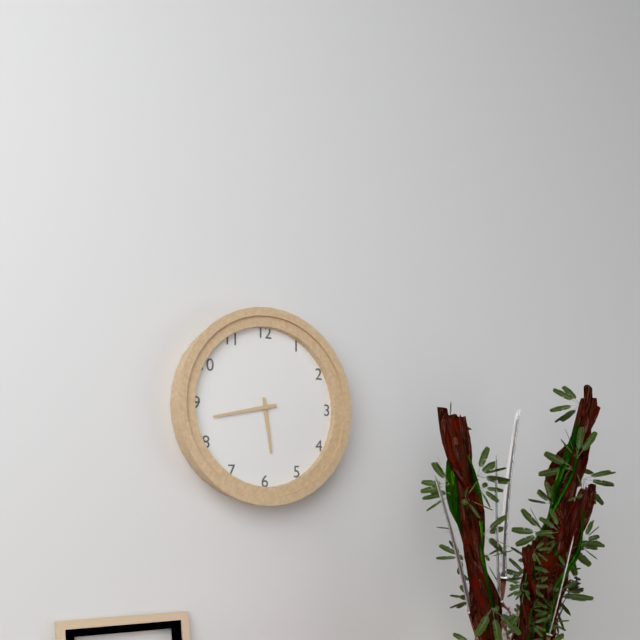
5:43
